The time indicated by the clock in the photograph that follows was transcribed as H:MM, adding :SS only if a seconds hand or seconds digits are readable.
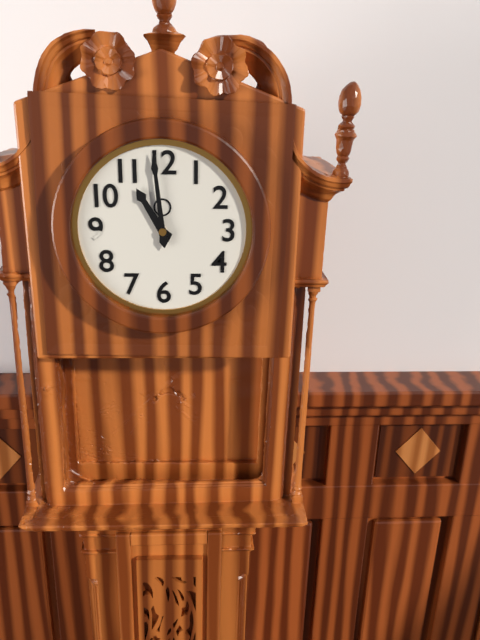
10:59
